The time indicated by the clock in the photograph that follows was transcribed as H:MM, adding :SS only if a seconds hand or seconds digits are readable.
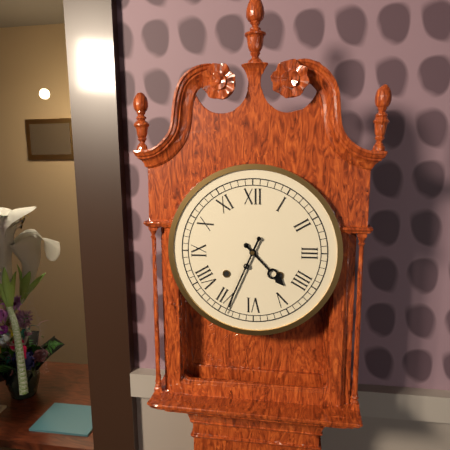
4:34
